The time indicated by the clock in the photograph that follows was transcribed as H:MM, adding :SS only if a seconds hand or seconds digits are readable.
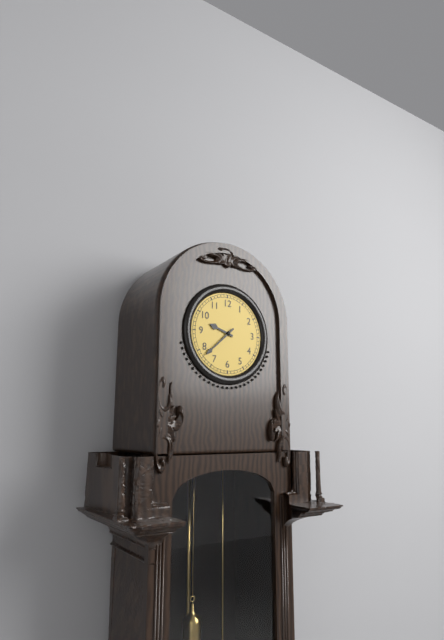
9:38
